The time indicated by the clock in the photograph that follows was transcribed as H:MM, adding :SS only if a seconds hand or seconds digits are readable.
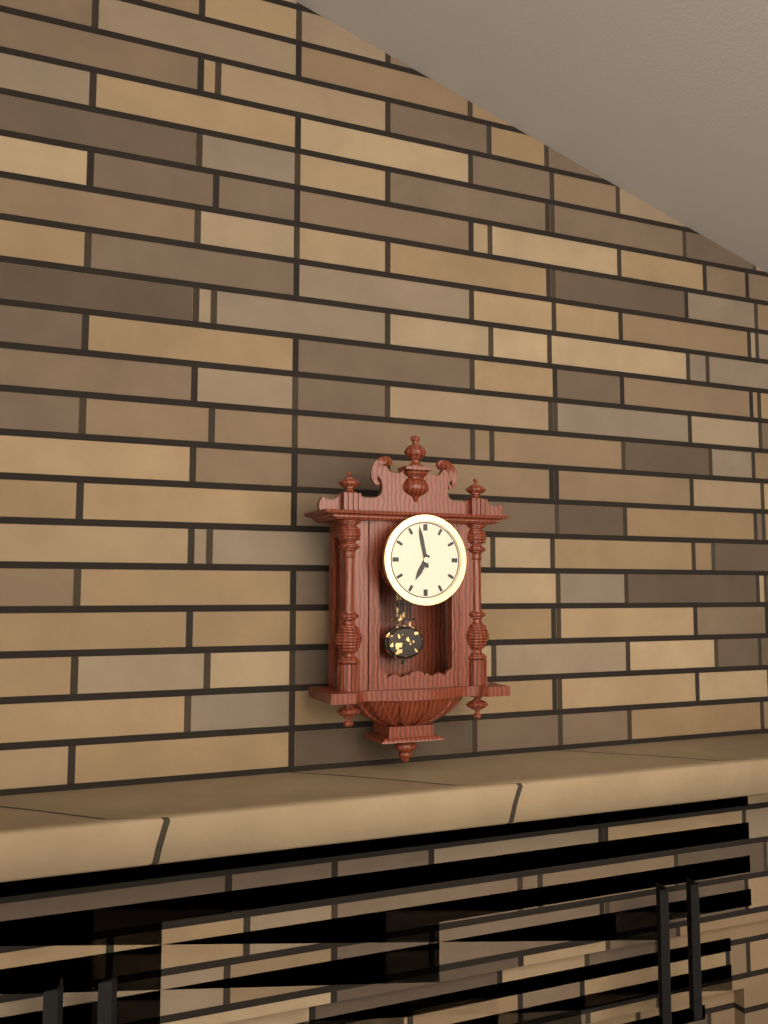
6:58
